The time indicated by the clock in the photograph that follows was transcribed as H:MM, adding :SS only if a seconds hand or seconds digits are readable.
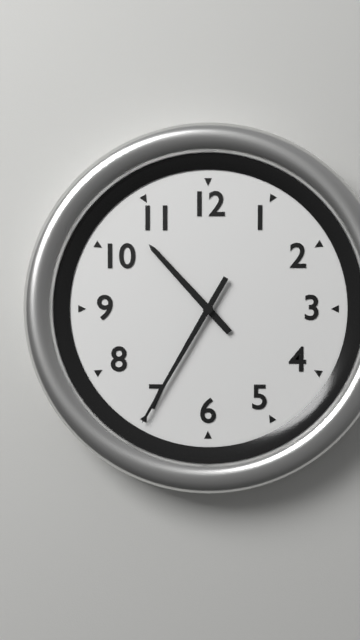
10:35
